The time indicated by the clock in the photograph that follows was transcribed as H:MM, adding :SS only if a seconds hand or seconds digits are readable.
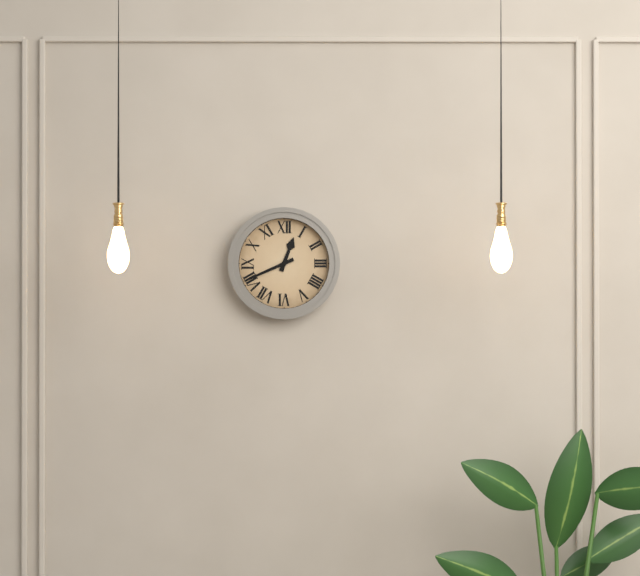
12:41
